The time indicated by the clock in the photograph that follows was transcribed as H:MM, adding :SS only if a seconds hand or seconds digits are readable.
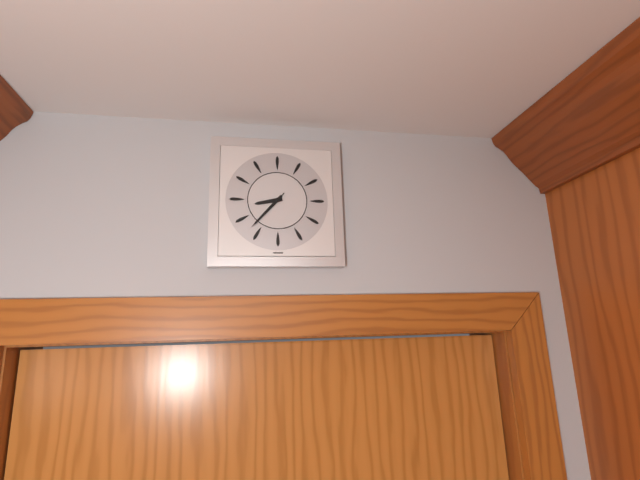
8:37
